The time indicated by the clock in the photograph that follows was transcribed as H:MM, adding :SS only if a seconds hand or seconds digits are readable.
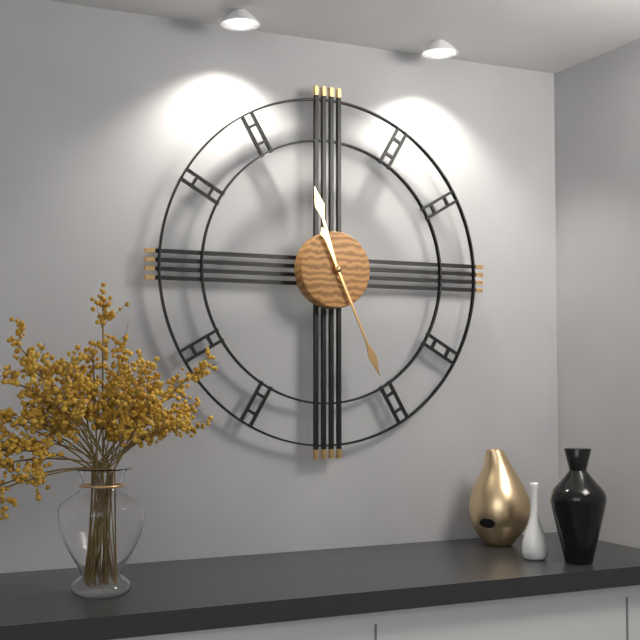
11:26
